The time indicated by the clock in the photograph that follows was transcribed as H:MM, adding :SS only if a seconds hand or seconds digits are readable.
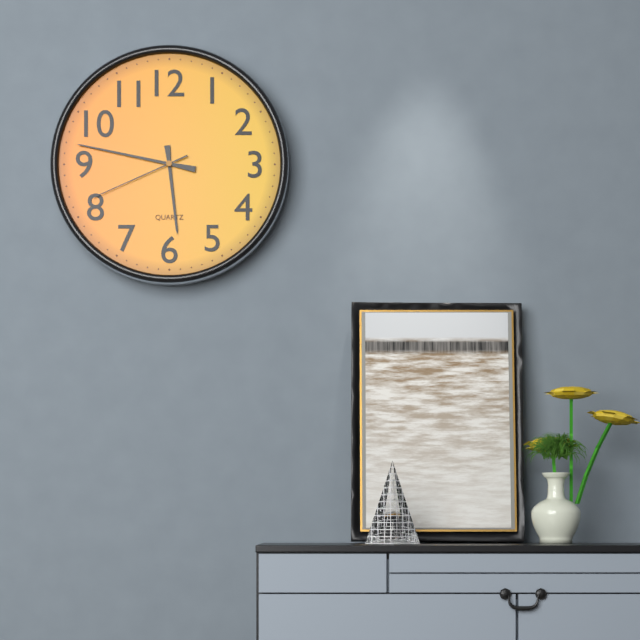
5:47:41
